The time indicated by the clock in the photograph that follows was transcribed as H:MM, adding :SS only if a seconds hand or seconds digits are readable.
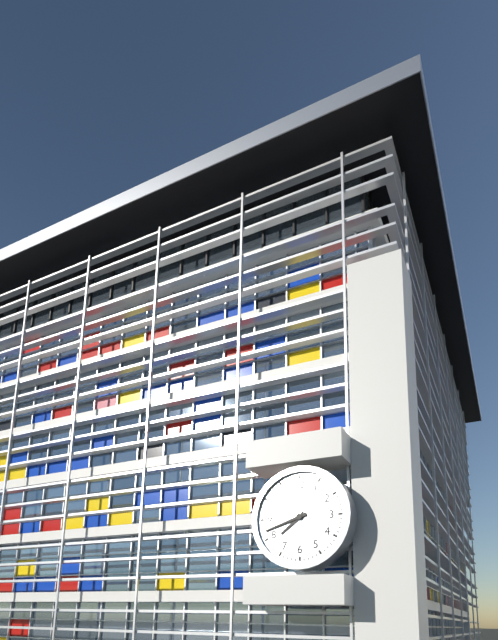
7:42
